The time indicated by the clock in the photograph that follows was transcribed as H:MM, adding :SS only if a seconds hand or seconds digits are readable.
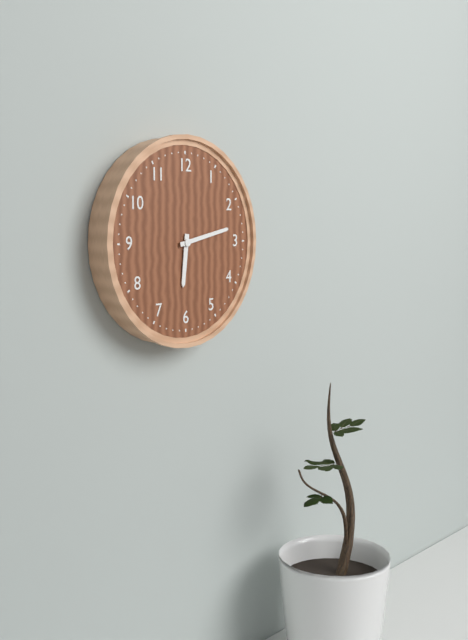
6:13
